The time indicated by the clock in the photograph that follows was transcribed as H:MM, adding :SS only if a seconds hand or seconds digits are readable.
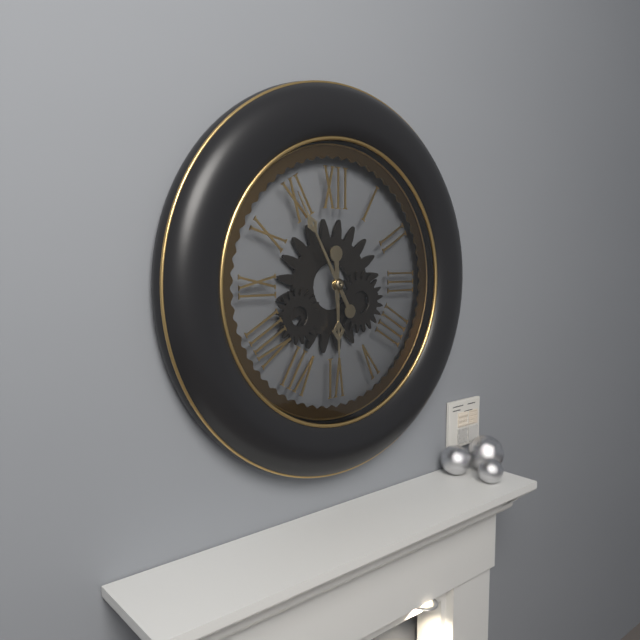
5:55
